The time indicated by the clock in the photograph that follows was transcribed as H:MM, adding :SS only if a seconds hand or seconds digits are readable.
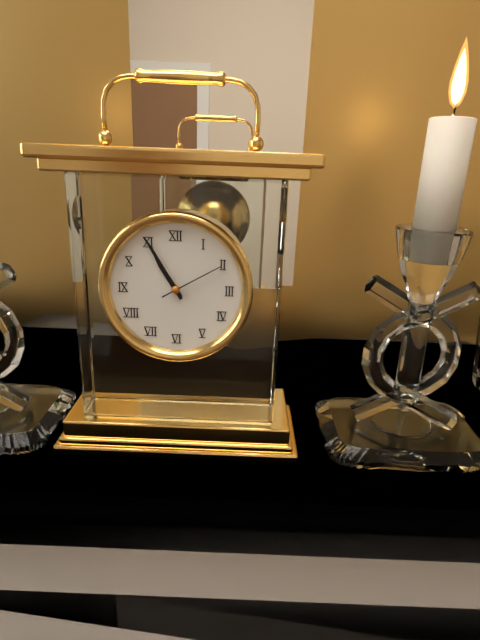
10:55:10
